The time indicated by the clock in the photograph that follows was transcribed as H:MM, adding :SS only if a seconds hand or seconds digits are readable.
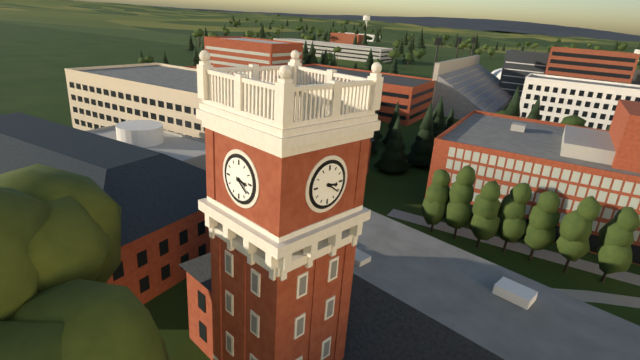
3:21
